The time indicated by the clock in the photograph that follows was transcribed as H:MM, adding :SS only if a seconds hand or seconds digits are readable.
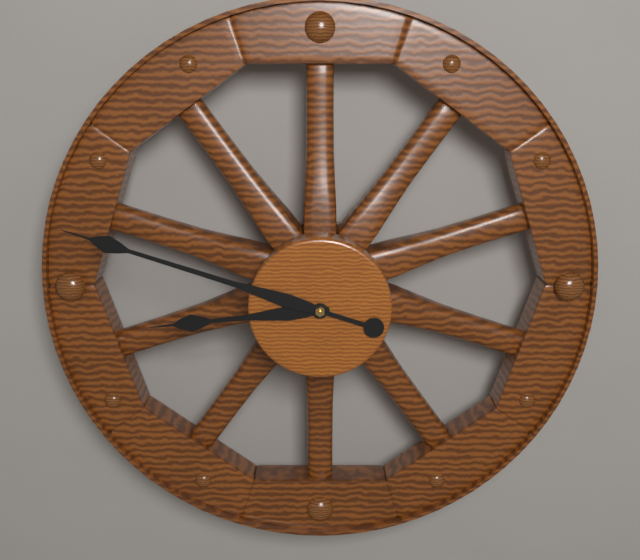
8:48
